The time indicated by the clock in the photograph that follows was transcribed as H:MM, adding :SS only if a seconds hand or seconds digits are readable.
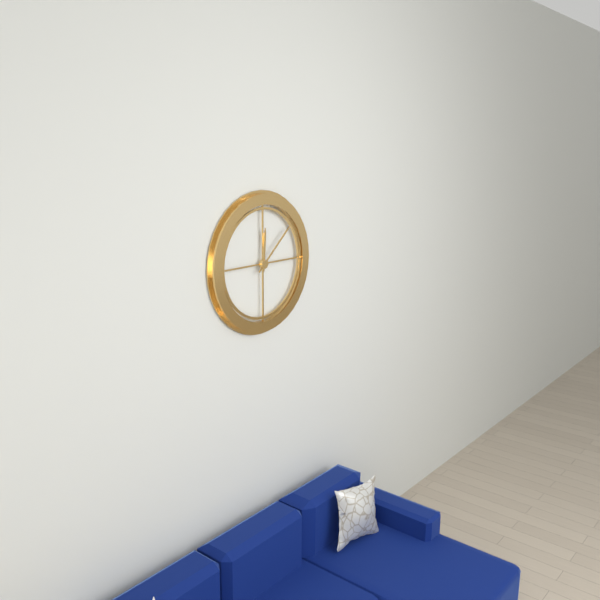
12:08
